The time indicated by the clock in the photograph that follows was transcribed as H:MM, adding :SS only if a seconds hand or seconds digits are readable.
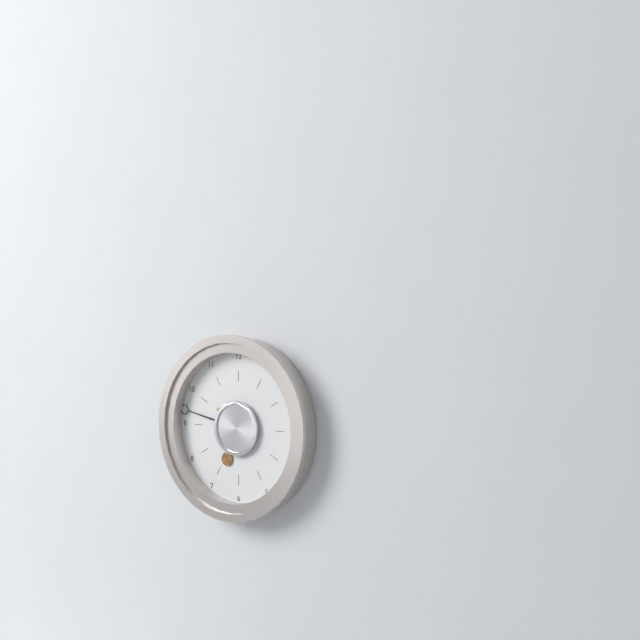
6:47
